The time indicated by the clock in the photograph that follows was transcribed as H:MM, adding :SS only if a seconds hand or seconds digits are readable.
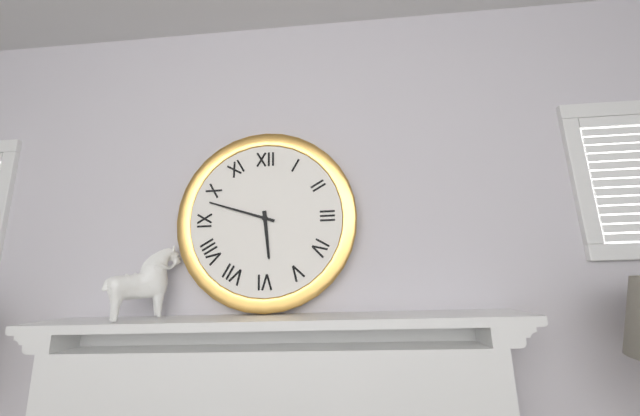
5:48
